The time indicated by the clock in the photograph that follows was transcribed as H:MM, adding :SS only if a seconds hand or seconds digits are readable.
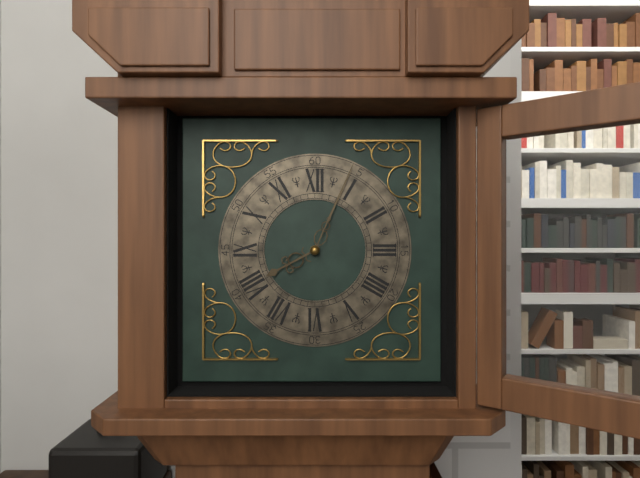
8:04
